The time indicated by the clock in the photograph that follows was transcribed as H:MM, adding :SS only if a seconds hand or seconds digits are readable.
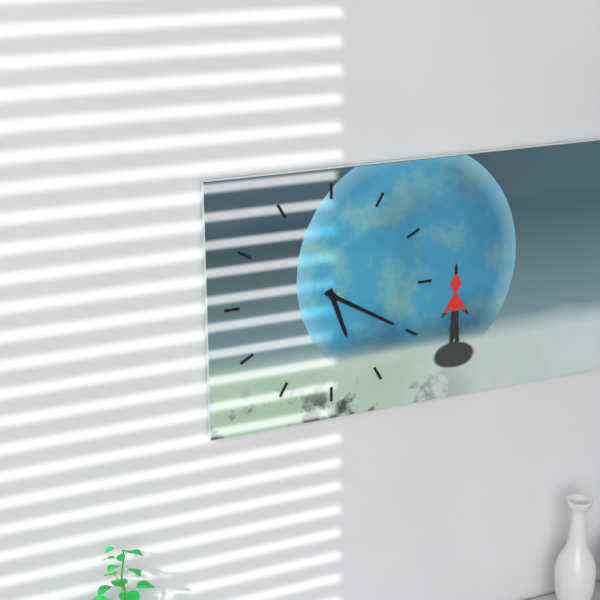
5:20
